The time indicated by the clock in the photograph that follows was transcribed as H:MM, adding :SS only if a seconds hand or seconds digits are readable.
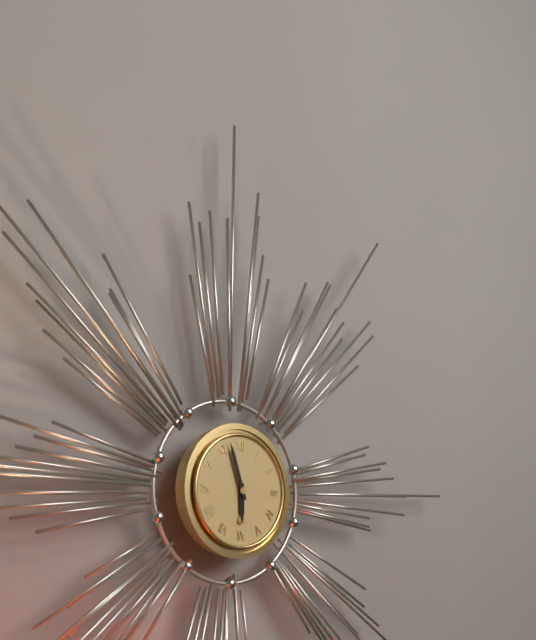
5:57
